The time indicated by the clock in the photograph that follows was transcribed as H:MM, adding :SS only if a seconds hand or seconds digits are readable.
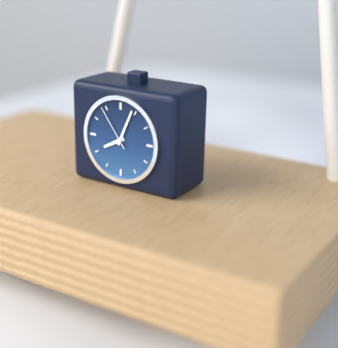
8:04
